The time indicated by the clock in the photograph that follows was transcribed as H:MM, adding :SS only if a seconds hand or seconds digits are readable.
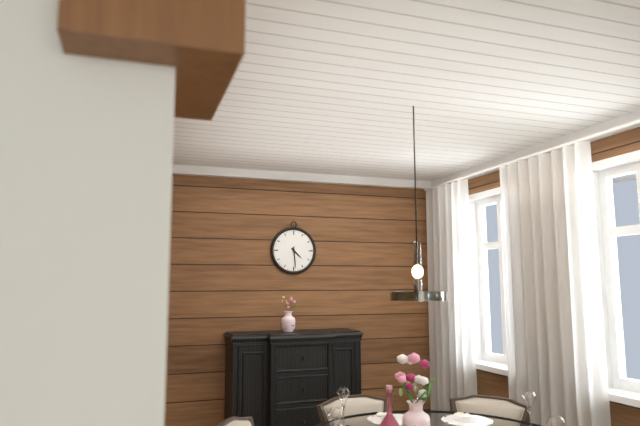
4:29
